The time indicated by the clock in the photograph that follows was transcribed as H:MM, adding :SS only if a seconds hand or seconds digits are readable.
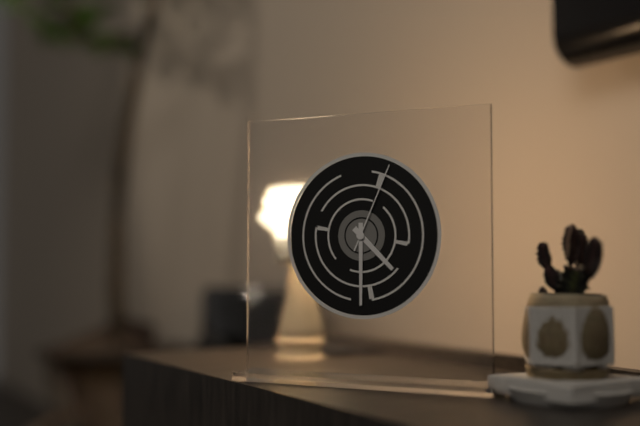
4:30:04
